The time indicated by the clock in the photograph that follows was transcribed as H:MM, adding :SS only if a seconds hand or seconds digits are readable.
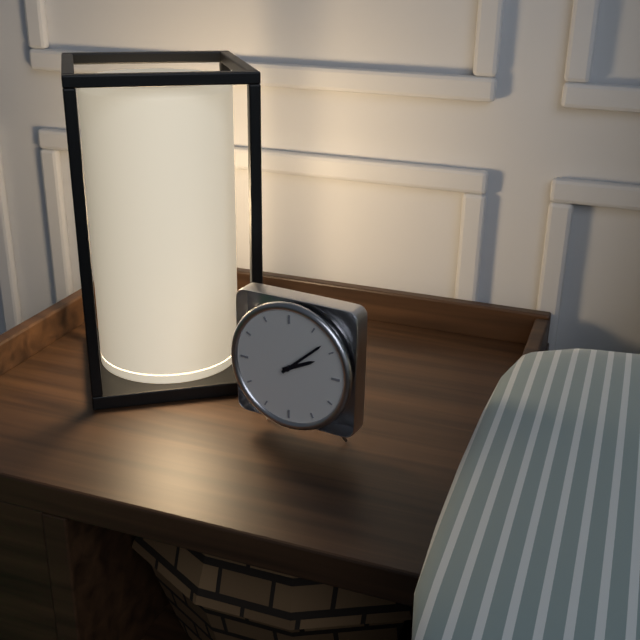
2:08
